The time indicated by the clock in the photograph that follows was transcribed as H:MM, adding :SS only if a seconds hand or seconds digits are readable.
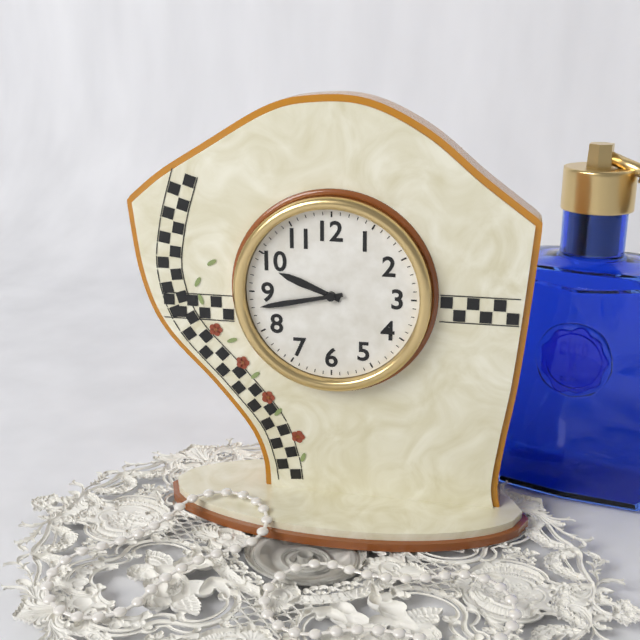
9:43
